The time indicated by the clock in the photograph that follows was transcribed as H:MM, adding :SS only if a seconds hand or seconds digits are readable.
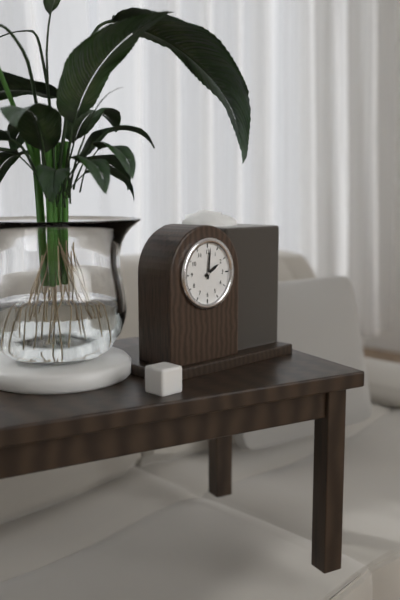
2:01
